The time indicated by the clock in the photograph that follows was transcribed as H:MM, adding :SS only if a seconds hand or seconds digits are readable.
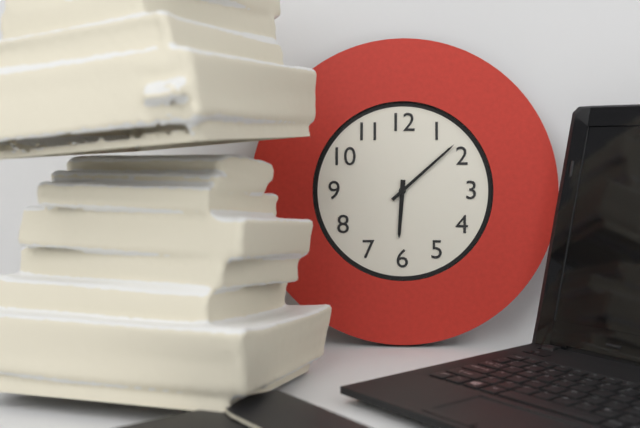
6:08
